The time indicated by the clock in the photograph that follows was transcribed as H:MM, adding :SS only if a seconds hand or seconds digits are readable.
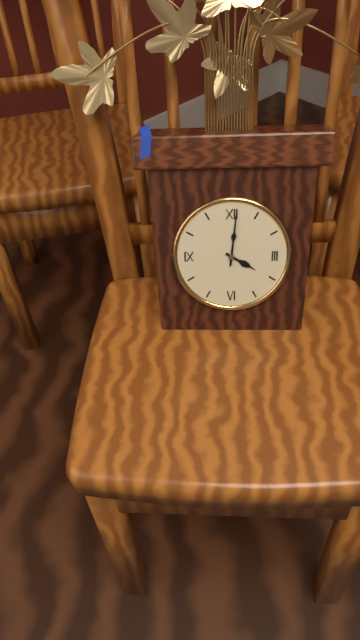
4:01
